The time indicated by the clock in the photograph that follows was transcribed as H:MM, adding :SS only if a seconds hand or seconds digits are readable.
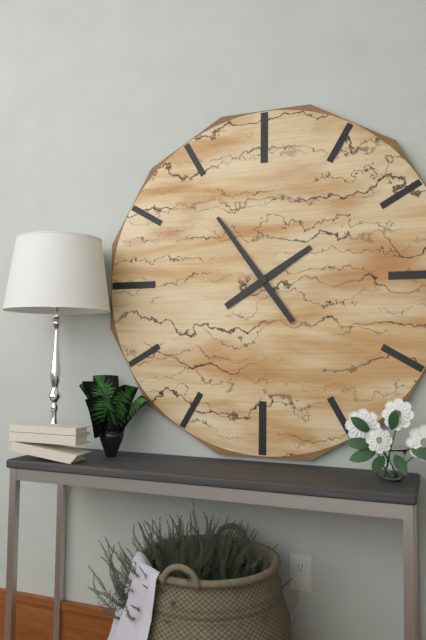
1:54
